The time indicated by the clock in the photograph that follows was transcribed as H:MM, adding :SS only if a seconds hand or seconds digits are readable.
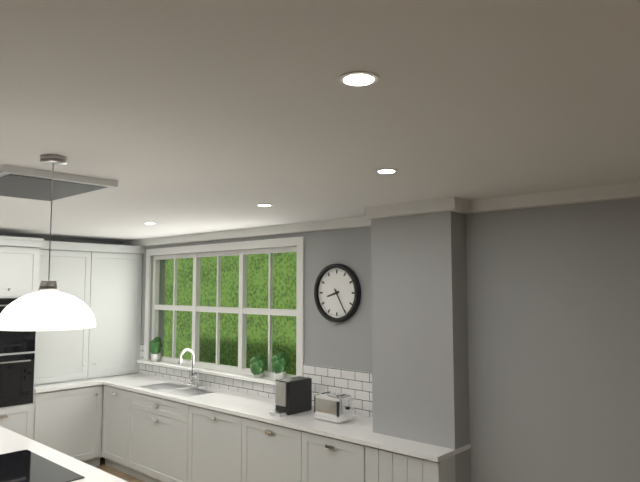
8:25
